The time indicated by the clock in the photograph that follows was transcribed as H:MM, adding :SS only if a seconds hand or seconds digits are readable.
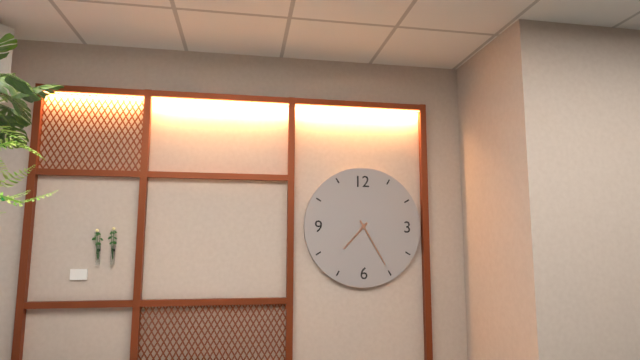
7:25
